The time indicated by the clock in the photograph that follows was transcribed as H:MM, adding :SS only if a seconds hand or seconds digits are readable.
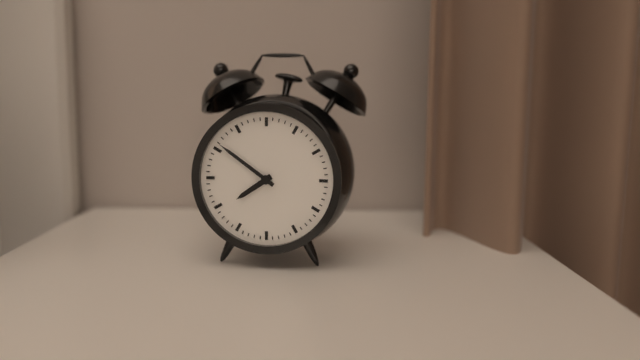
7:51
